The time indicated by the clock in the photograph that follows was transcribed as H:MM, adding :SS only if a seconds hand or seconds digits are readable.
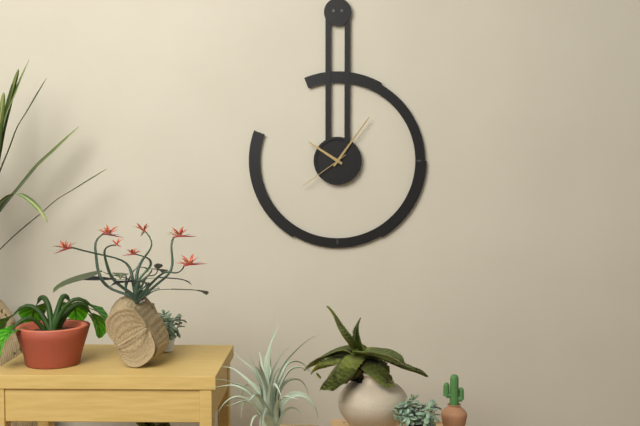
10:06:39
